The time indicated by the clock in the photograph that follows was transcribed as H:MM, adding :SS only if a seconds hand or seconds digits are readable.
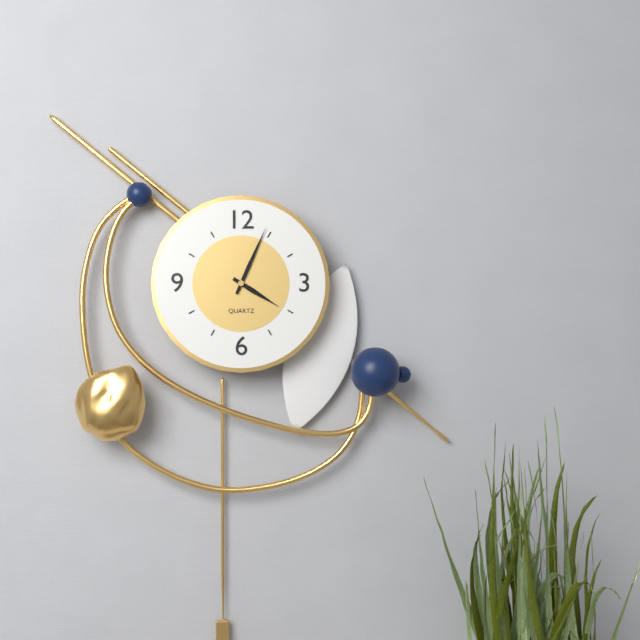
4:04
